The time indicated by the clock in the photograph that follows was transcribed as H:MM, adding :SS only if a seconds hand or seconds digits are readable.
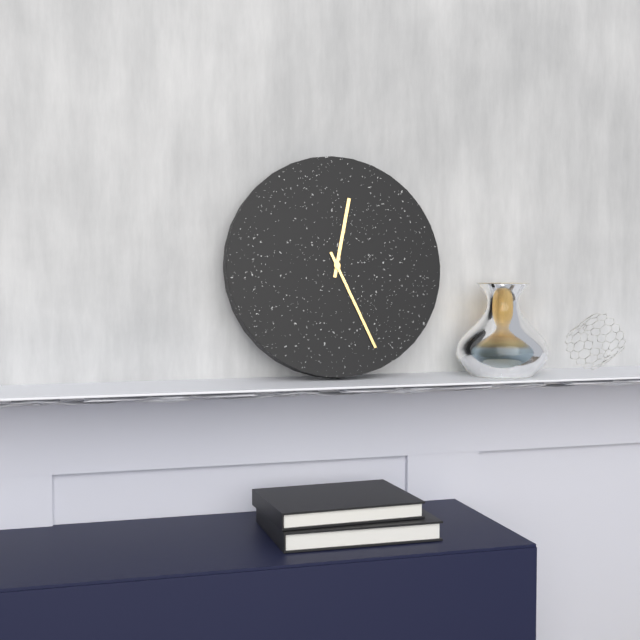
12:26
